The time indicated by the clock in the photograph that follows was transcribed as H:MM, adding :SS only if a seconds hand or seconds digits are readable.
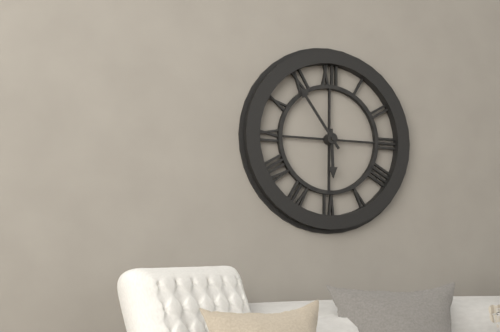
5:54
